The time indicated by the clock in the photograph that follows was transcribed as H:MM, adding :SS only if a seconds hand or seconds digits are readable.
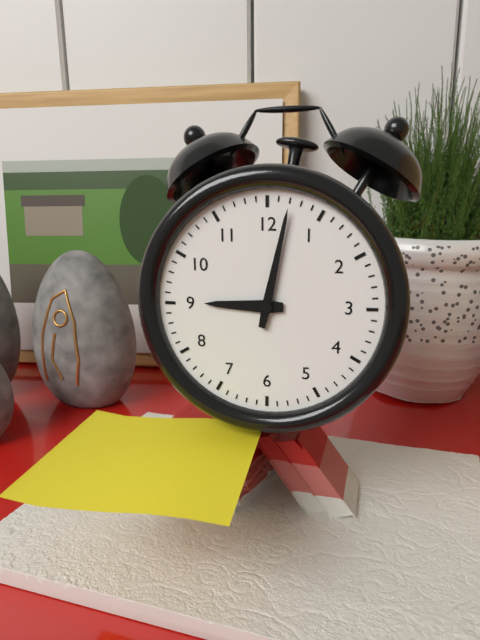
9:02
